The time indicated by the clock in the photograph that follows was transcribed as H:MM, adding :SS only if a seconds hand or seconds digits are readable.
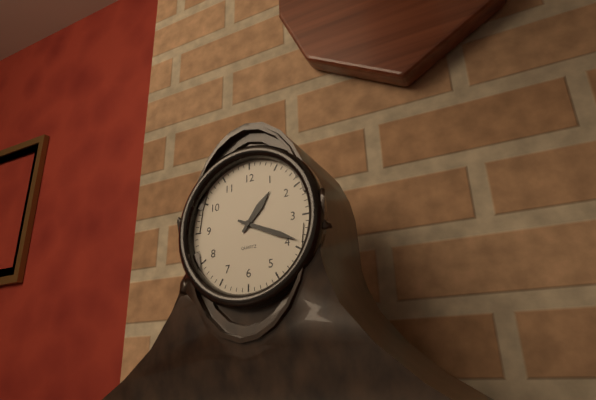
1:19
